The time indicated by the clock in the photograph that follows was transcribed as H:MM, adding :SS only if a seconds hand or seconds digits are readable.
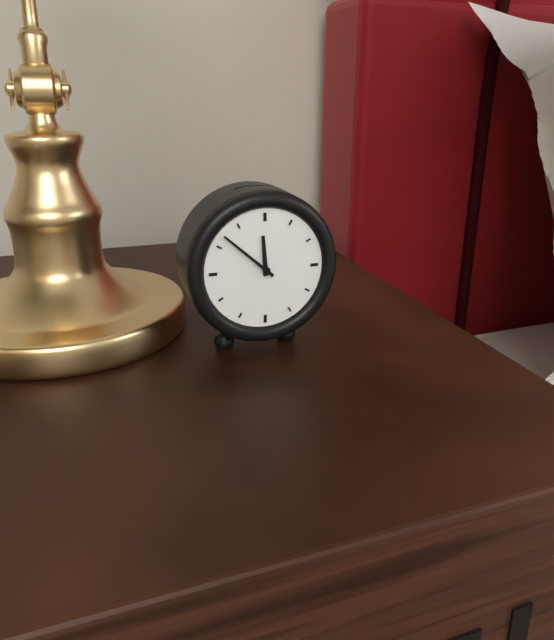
11:52
